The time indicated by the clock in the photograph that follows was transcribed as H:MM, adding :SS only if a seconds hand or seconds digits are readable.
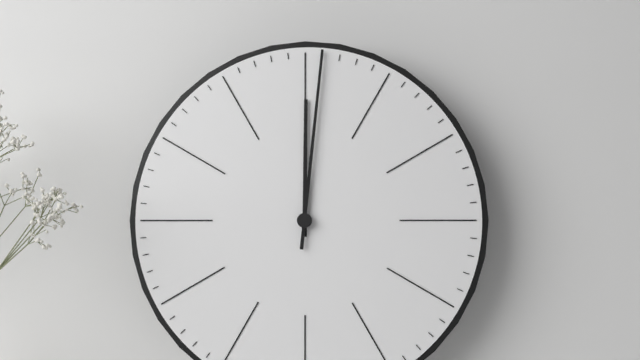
12:01
